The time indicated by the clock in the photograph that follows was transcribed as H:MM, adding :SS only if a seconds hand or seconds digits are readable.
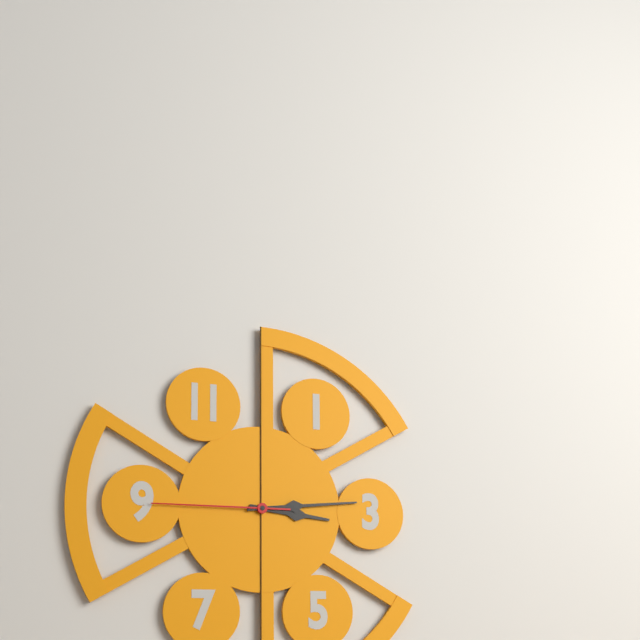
3:14:45
